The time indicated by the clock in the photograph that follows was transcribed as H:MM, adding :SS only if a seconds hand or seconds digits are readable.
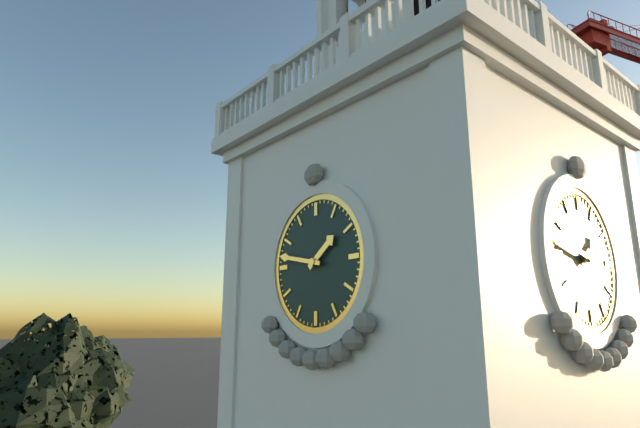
1:47
